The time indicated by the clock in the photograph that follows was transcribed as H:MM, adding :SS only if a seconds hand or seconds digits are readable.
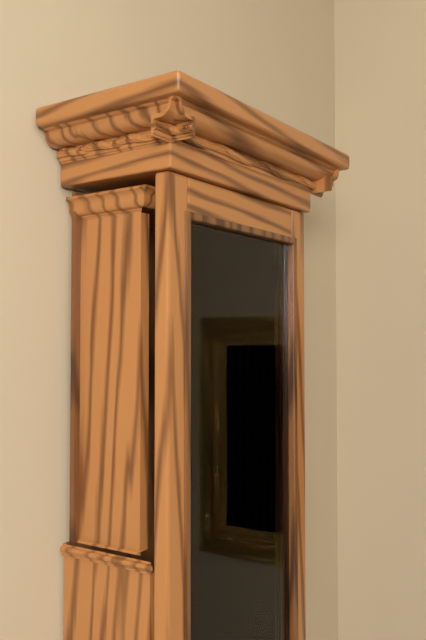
2:26
